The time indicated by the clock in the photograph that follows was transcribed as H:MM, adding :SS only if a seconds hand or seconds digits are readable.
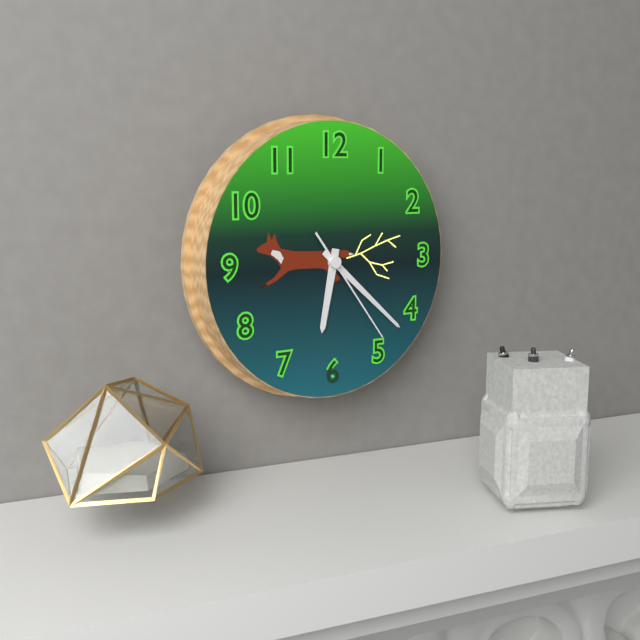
6:22:24
